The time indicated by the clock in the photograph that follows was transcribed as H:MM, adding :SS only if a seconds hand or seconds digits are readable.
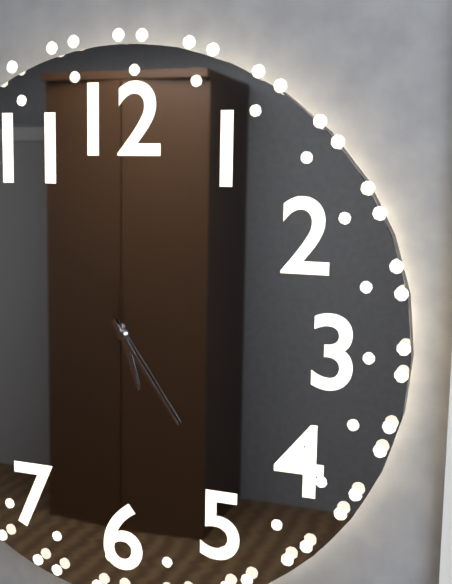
5:24
